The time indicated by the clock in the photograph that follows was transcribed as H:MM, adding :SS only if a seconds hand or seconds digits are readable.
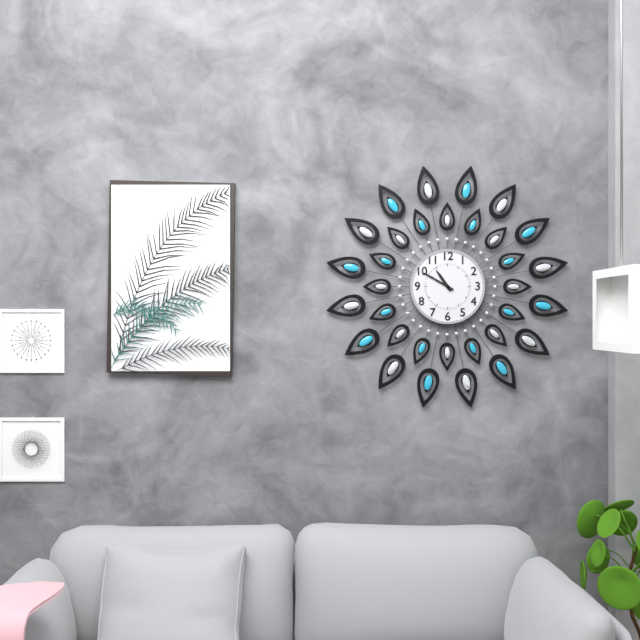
10:50
